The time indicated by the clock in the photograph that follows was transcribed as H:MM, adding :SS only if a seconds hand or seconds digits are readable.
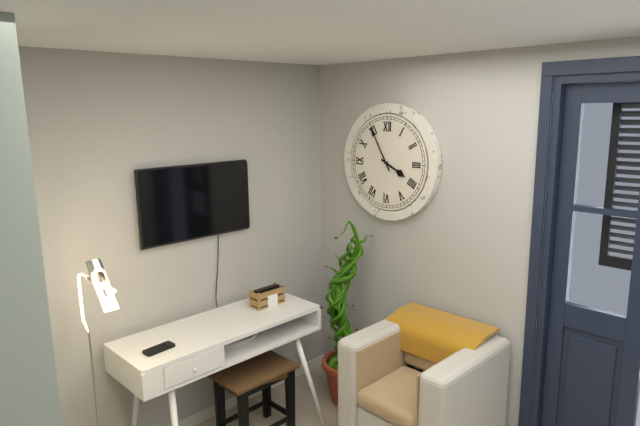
3:55
